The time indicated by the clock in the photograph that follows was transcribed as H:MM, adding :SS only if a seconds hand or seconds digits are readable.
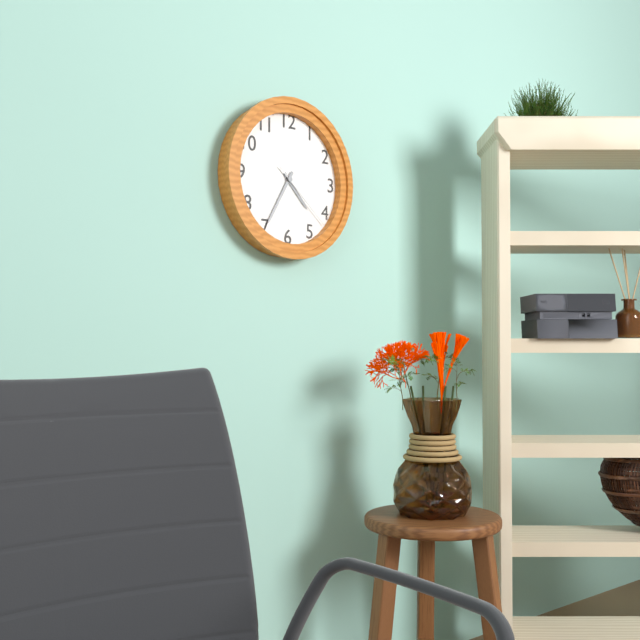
4:35:22
